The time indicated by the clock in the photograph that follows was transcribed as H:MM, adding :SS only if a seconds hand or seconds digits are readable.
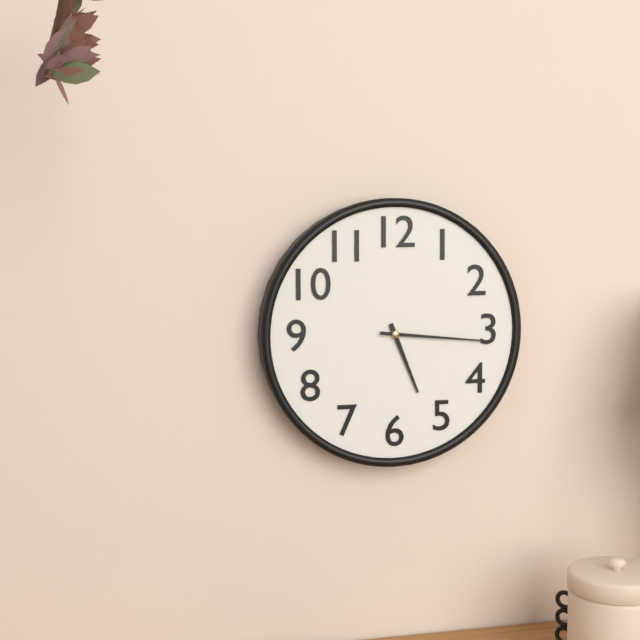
5:16
